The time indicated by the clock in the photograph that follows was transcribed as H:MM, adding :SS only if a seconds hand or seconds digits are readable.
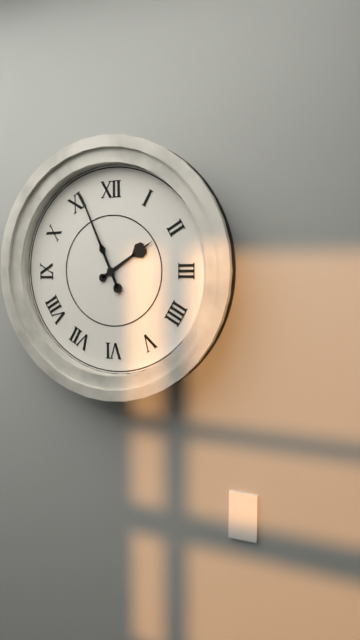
1:56
